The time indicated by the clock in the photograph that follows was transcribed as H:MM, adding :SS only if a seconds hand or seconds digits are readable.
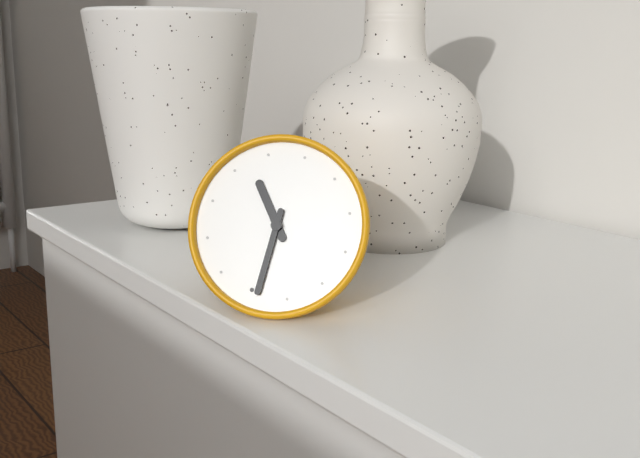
10:29
